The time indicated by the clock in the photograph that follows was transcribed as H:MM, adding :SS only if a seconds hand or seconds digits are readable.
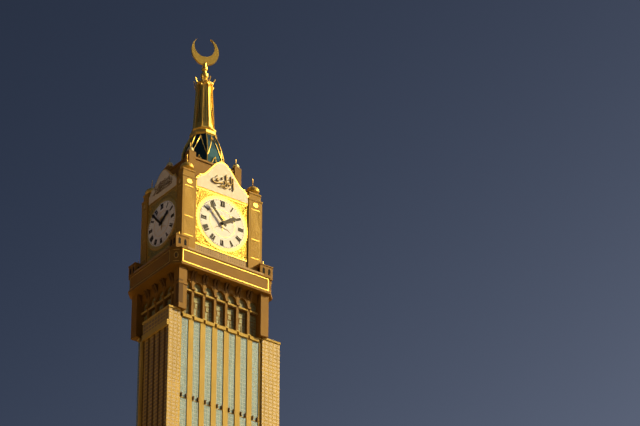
1:53
